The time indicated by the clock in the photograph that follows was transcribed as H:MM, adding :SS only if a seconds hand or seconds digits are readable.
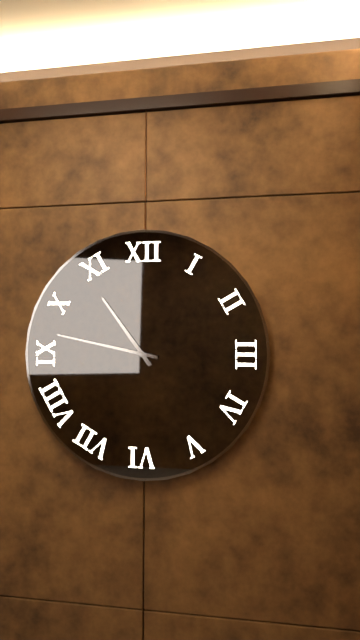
10:47
